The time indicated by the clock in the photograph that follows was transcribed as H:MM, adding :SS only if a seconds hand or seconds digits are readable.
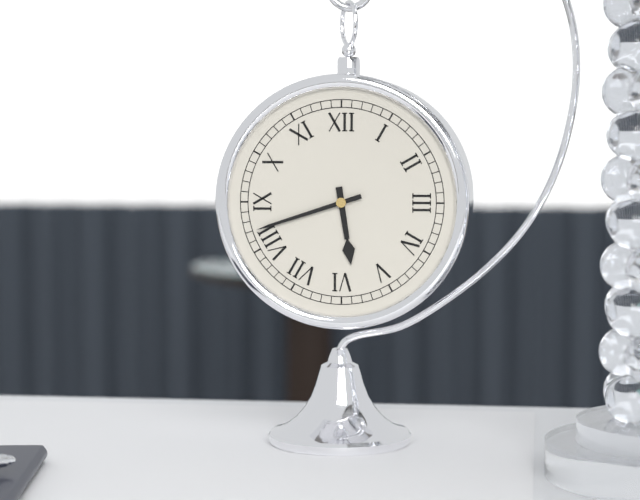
5:42
